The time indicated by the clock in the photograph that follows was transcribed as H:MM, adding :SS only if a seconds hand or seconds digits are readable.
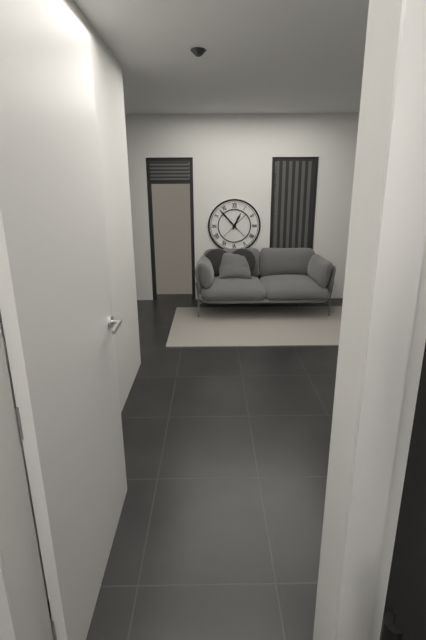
12:53
